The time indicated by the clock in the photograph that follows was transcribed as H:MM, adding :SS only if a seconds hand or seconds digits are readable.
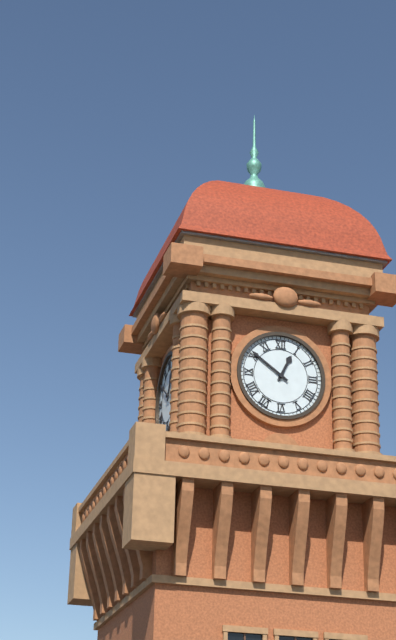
12:51
